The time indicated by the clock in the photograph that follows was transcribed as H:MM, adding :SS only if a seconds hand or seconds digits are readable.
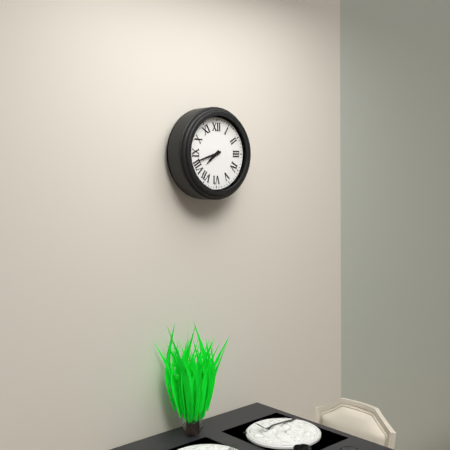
7:42
